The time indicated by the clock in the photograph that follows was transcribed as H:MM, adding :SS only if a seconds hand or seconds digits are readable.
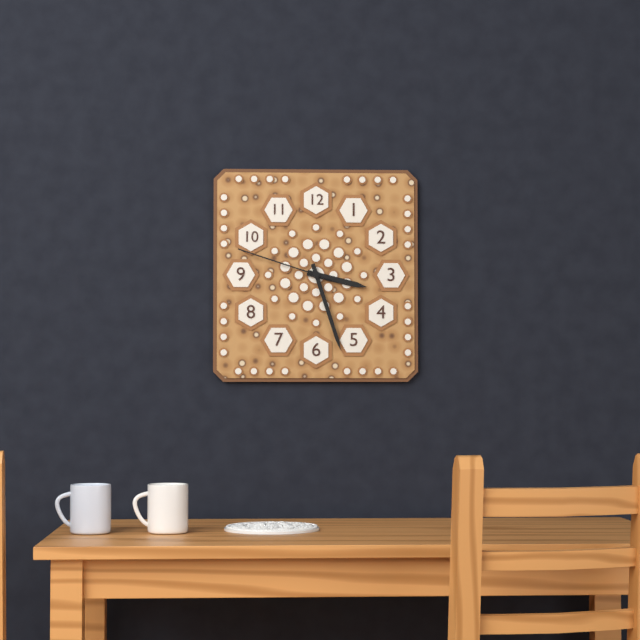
3:27:48
